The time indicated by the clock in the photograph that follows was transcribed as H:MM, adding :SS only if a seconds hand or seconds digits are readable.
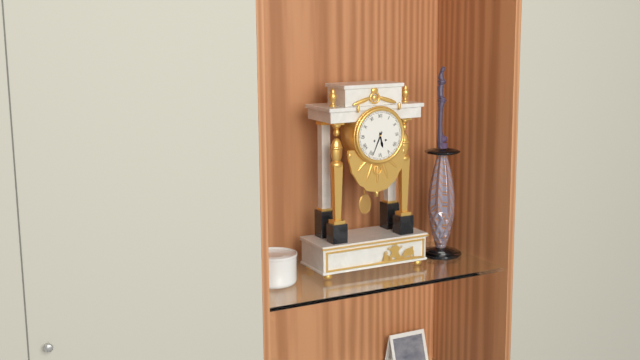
5:34
